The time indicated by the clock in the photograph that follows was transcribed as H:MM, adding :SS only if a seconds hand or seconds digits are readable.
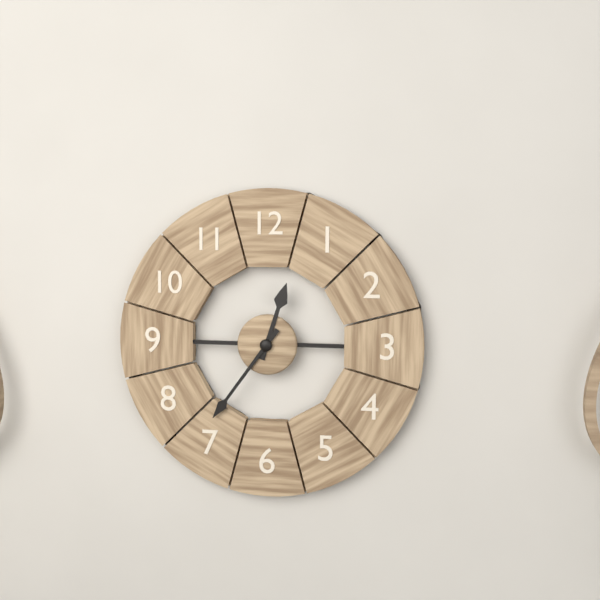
12:36
